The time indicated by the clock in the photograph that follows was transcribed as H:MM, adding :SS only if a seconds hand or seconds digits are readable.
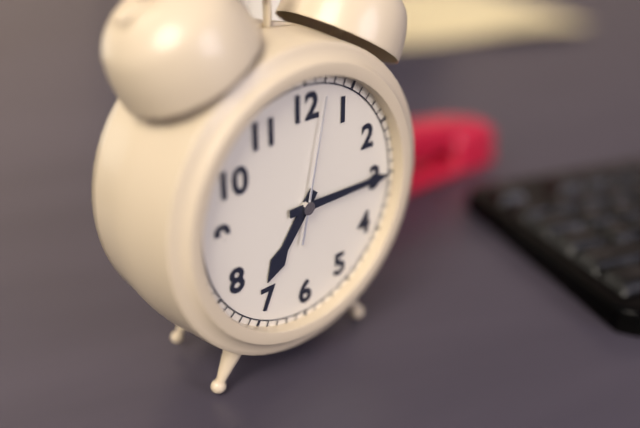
7:15:02
